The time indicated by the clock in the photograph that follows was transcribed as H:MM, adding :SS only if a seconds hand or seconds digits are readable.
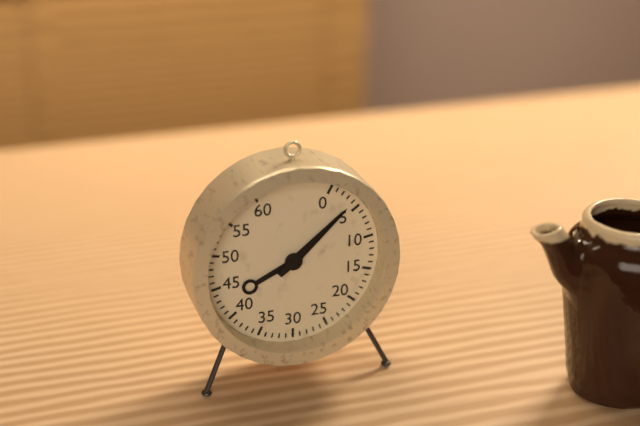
8:08
